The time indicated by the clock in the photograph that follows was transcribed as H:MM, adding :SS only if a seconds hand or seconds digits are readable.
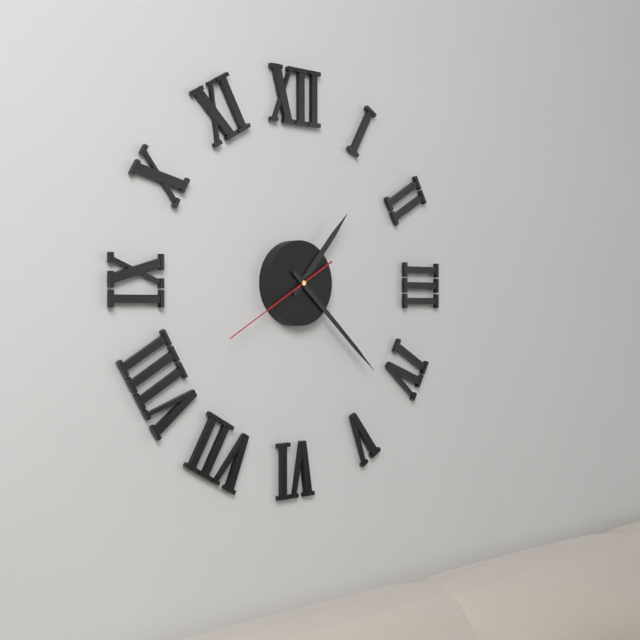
1:22:40
